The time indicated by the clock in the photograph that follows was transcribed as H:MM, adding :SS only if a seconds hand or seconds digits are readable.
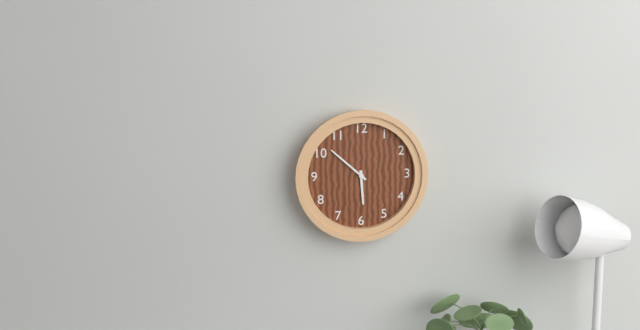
5:52
